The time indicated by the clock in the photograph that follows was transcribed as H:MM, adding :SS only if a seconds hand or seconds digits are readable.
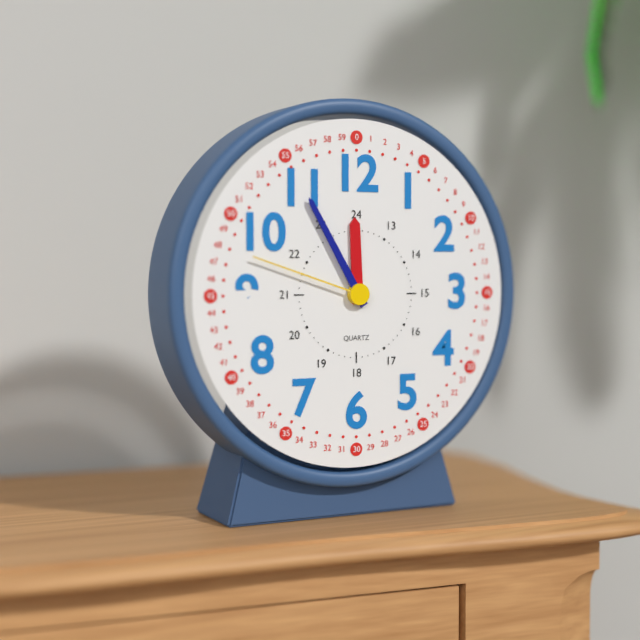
11:55:48
